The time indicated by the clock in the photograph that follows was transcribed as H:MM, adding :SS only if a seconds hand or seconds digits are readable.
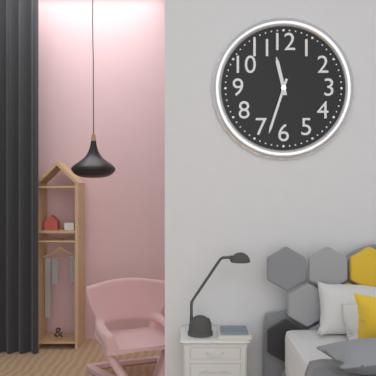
11:33
